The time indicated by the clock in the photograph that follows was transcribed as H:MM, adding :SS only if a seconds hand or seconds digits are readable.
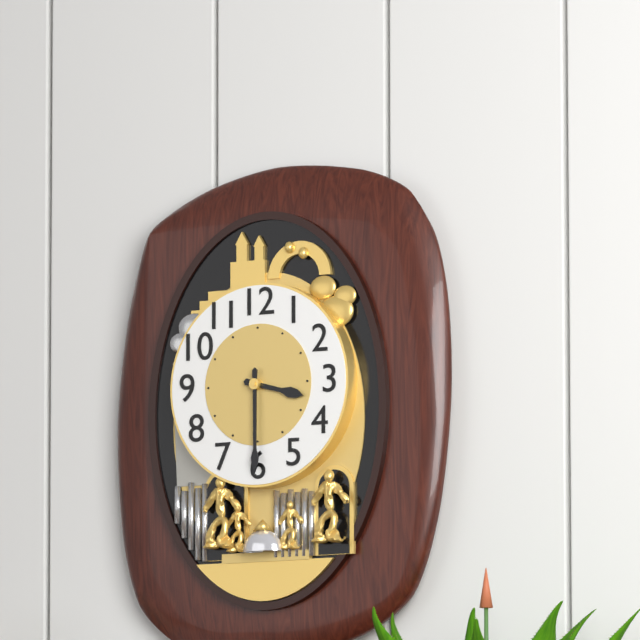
3:30
